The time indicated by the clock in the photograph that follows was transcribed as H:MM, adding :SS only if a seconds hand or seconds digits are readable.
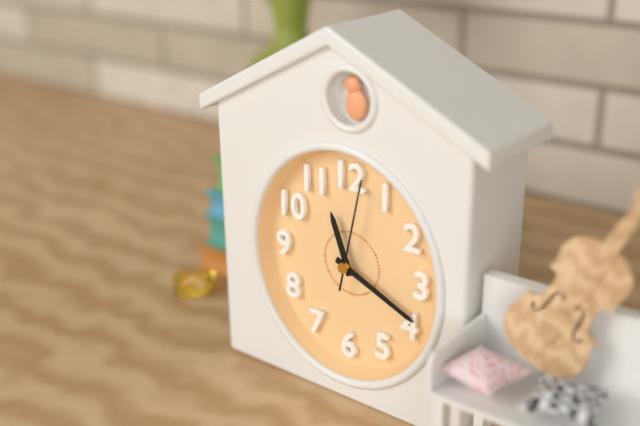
11:19:02
